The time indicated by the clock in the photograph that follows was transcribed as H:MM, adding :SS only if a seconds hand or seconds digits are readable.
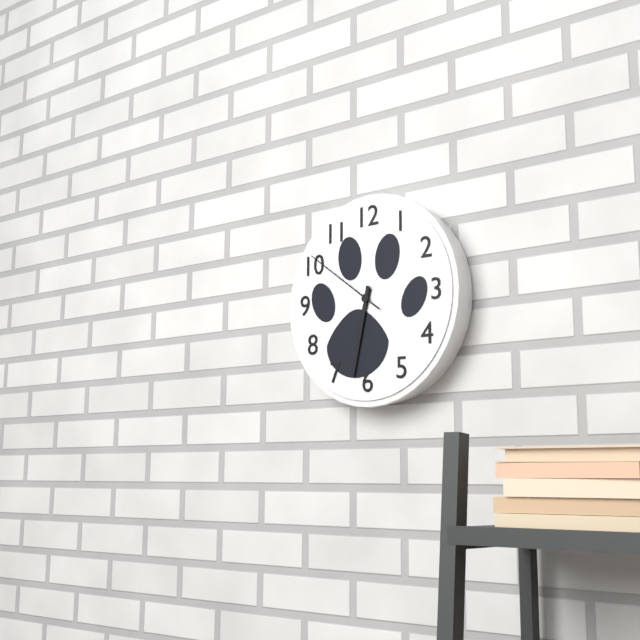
6:32:51
